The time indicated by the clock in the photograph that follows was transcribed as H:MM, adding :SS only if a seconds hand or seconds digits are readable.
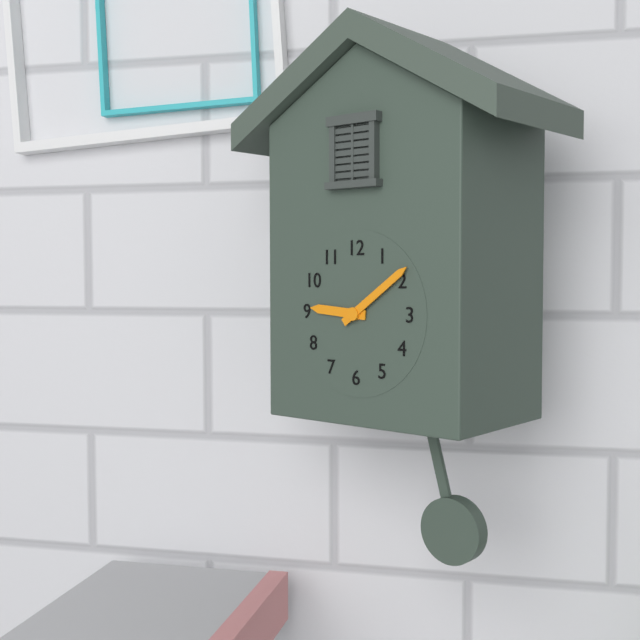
9:09
